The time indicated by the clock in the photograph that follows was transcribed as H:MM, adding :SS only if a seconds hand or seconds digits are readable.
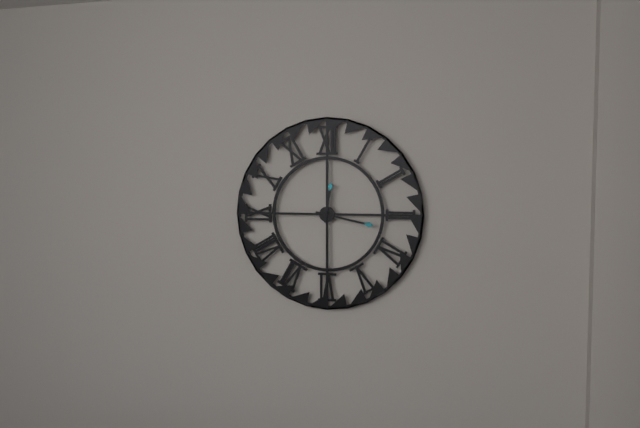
12:17
